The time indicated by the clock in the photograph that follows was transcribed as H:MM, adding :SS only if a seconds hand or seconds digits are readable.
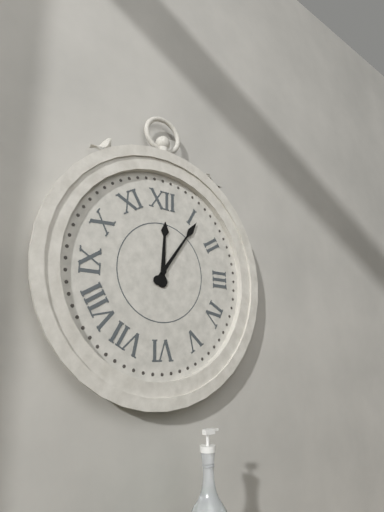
12:06
